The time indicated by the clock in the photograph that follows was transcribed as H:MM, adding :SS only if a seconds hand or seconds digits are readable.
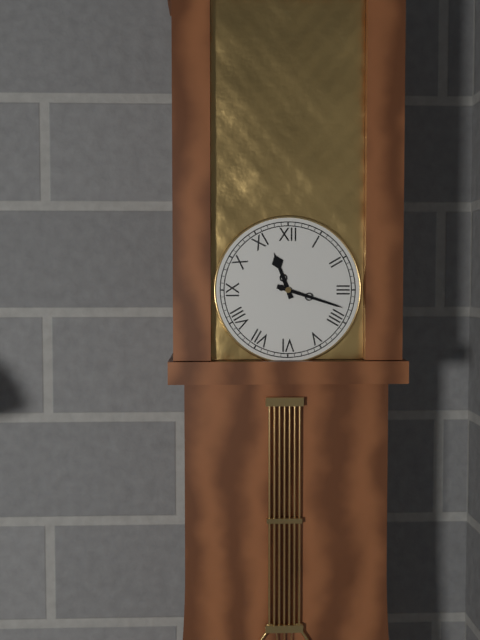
11:18
